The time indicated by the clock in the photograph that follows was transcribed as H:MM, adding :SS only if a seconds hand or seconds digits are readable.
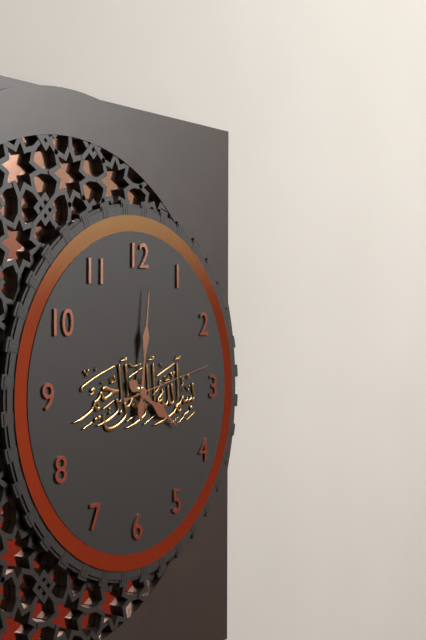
4:01:13
